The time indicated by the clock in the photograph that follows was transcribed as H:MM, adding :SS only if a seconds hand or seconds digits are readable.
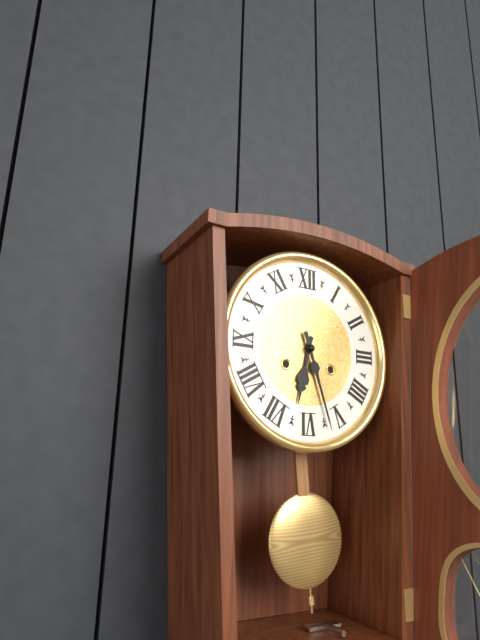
6:27
